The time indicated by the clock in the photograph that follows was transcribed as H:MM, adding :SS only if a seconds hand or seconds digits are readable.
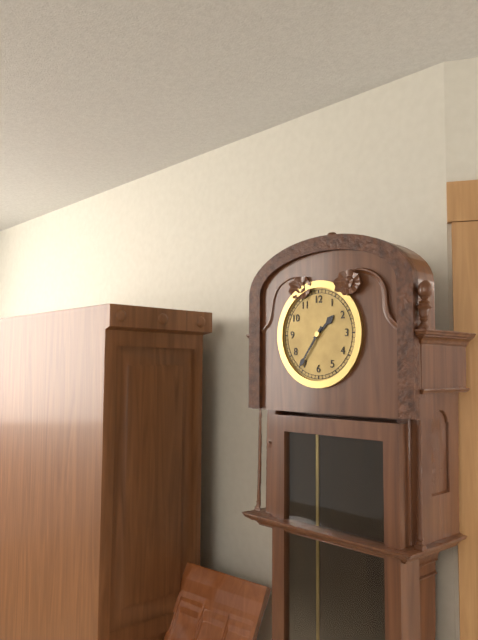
1:36
